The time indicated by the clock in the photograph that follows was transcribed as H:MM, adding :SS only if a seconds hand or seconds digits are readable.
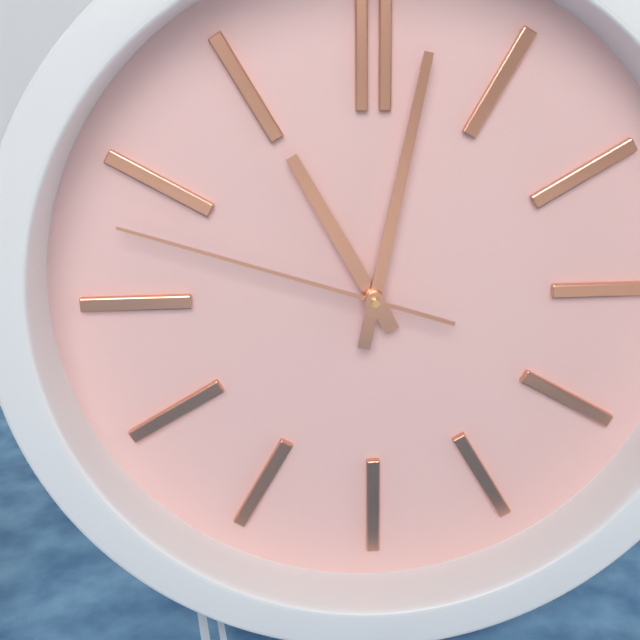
11:02:48
